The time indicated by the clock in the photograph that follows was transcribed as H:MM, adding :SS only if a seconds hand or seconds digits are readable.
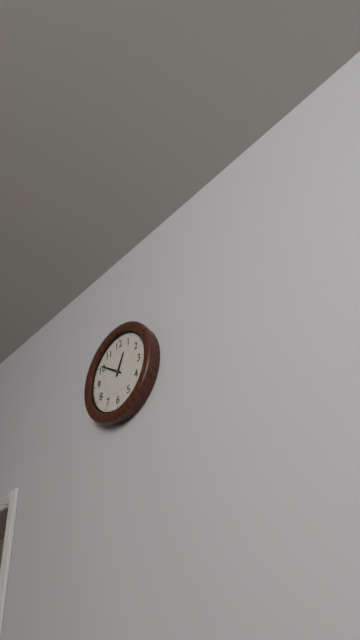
12:51
